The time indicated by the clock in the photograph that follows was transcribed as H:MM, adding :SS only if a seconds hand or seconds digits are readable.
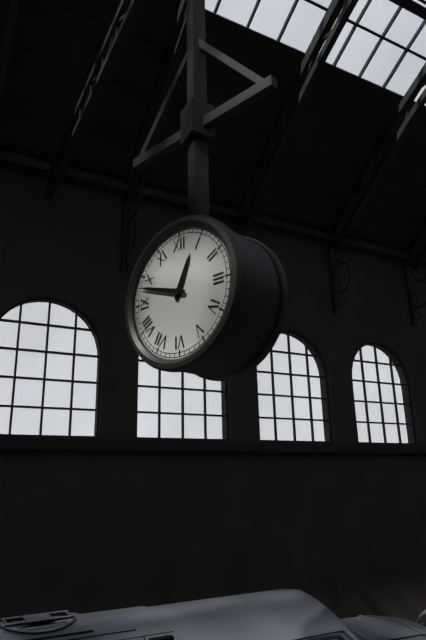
12:48
